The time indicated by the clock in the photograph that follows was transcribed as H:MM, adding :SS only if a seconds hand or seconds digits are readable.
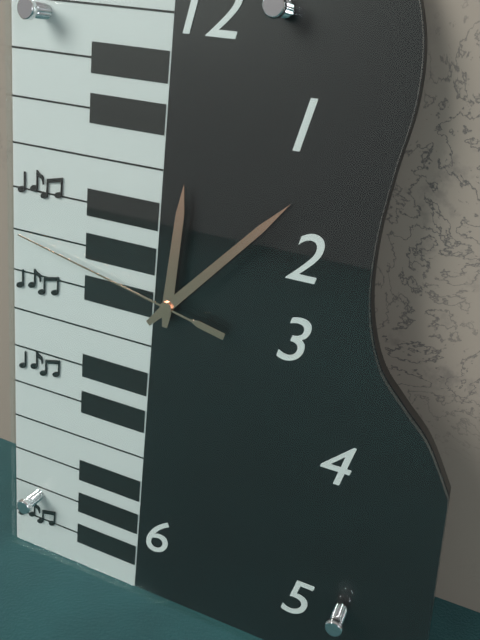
12:07:47
